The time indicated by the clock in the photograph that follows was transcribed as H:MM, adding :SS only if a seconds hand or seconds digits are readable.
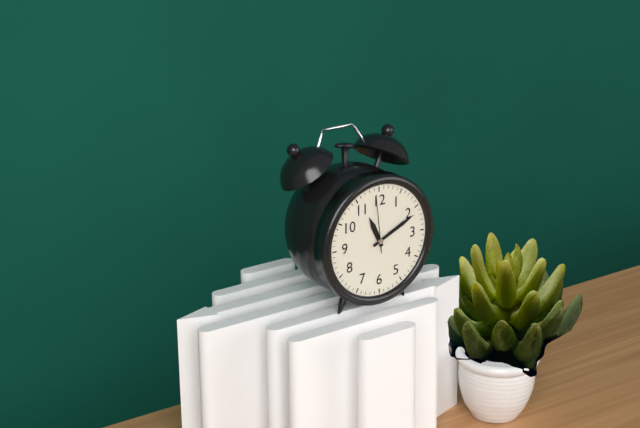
11:11:59
